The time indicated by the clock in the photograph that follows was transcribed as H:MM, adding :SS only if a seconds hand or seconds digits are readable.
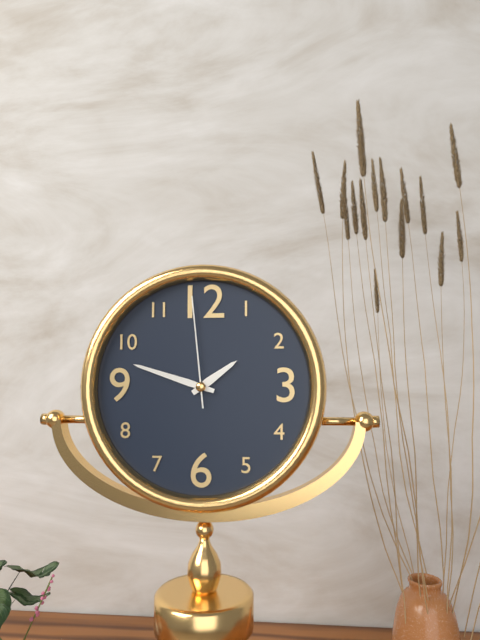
1:48:59
